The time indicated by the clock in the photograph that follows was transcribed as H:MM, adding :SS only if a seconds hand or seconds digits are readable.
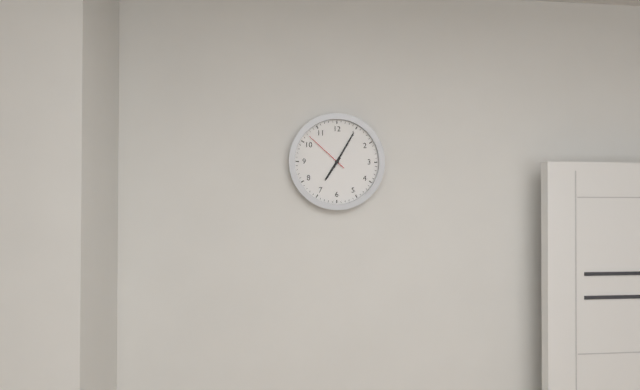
7:05
